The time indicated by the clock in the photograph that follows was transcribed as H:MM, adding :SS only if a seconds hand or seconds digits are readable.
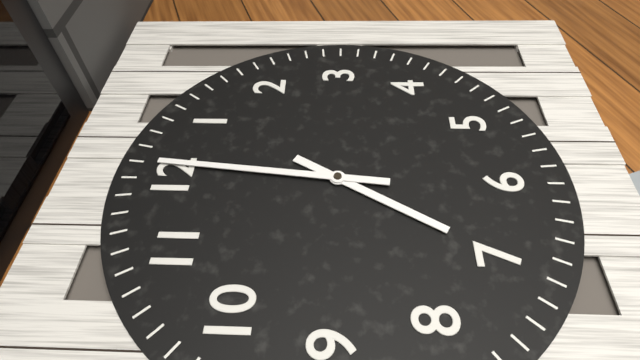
7:01
